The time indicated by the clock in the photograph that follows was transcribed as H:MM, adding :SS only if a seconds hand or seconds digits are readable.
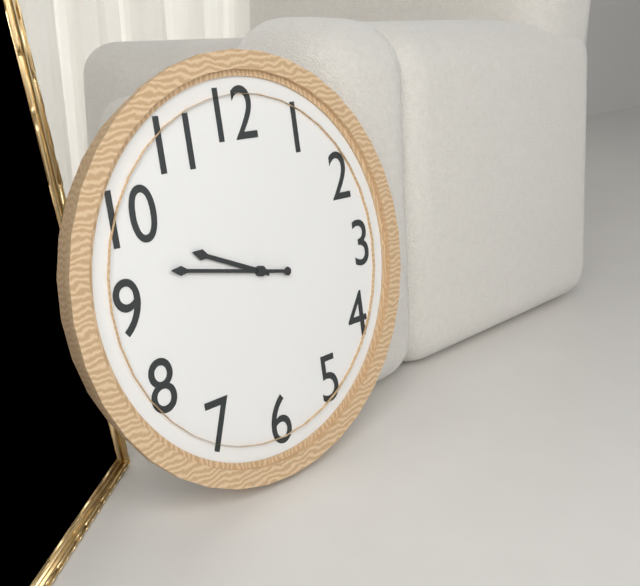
9:47
